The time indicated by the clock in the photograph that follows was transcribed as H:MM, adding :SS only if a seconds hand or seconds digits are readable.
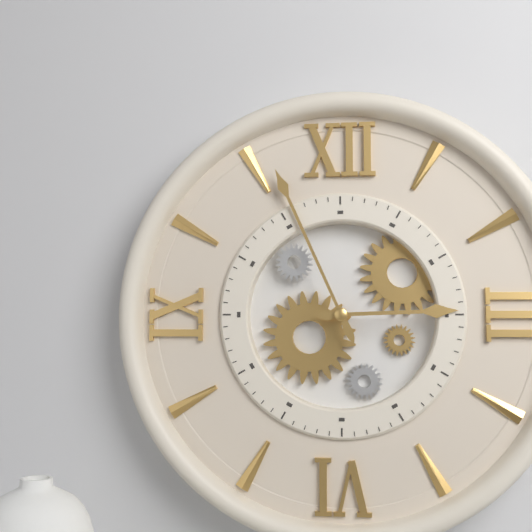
2:56
